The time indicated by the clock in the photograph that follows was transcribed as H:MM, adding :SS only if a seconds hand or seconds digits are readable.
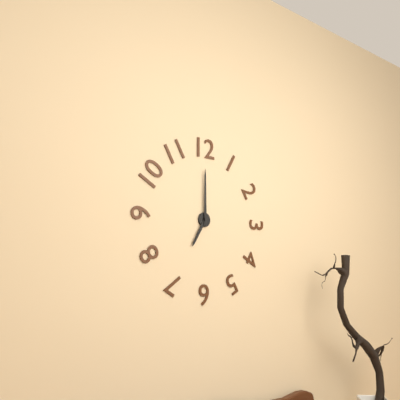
7:00
